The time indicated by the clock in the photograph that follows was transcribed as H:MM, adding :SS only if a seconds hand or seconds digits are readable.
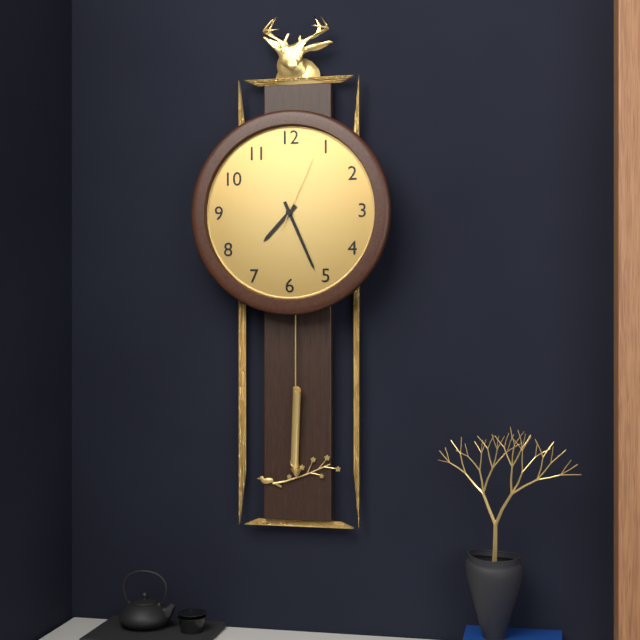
7:26:04
